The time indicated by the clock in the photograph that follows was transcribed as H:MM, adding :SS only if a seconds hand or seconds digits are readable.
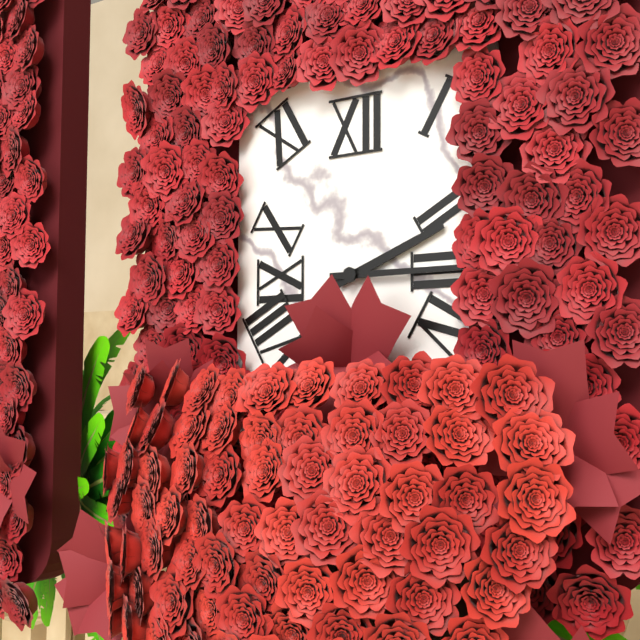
2:15
